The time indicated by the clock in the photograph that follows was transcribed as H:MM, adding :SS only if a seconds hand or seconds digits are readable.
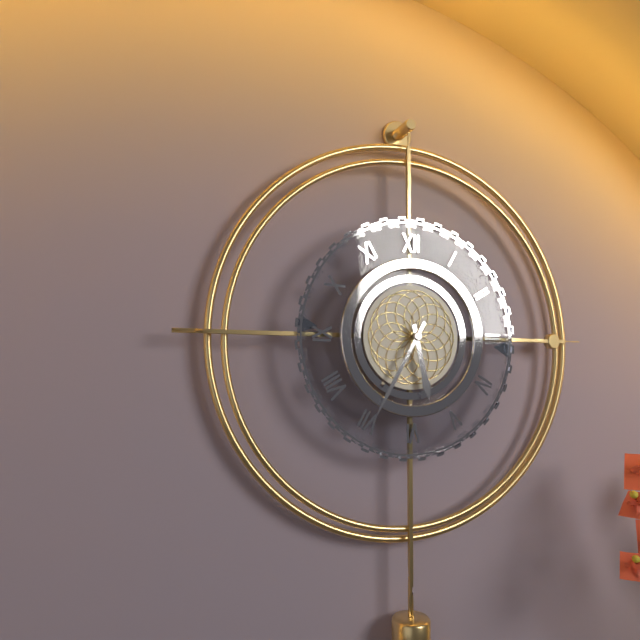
5:35
